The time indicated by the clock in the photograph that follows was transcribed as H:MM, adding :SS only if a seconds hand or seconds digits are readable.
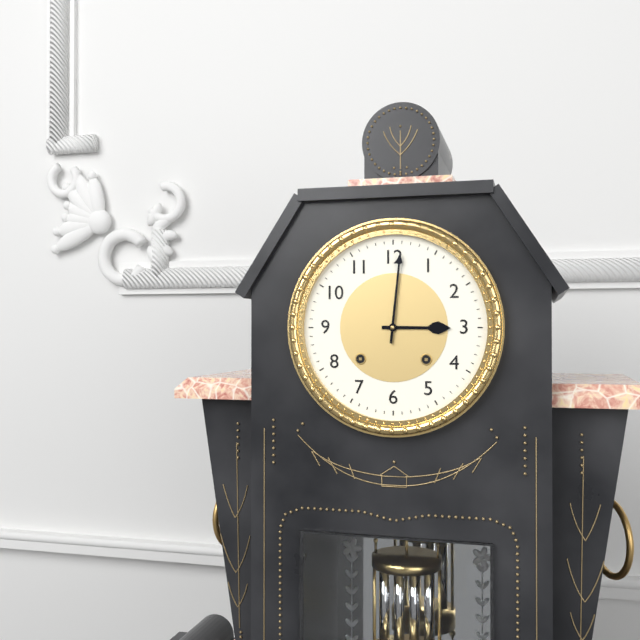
3:01
